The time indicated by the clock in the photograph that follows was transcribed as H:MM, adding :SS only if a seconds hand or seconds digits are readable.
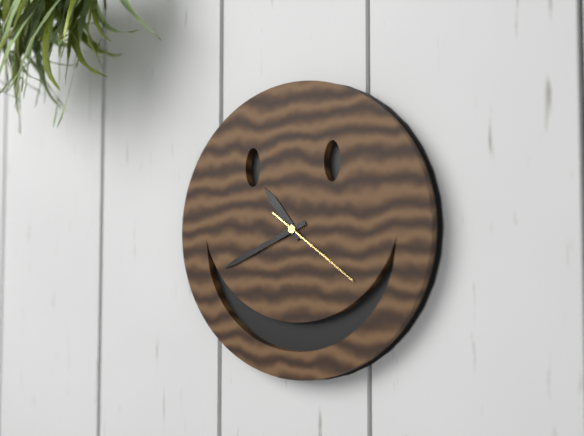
10:41:21
